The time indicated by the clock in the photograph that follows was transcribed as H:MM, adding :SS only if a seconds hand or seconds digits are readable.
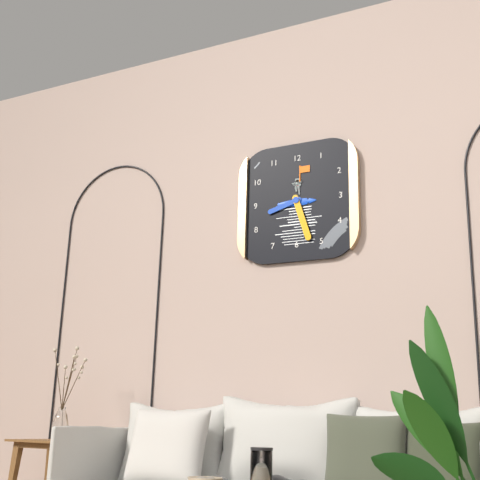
8:27
